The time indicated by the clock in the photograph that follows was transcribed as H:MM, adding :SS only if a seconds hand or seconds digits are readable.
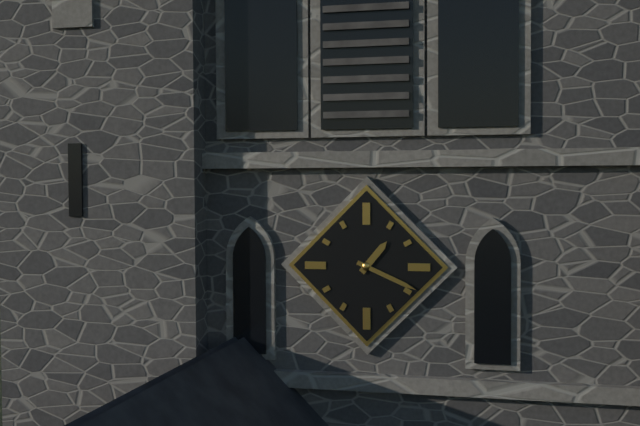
1:19
